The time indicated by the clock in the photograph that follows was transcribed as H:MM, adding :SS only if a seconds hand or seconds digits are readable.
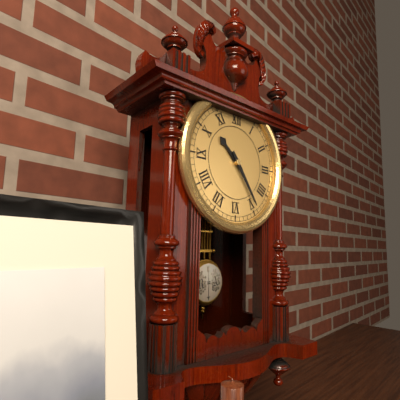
10:24
